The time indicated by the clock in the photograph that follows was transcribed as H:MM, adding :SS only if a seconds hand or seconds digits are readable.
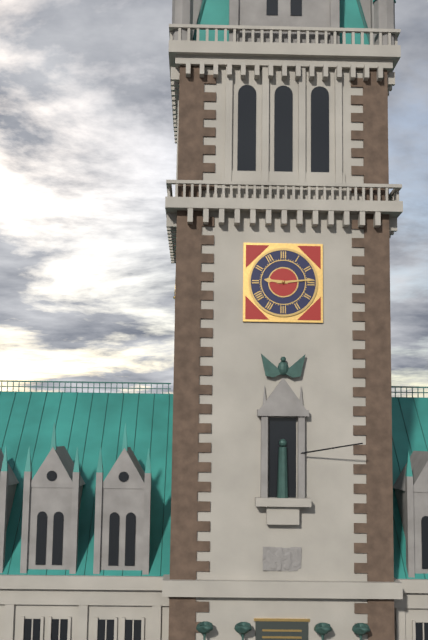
9:14
